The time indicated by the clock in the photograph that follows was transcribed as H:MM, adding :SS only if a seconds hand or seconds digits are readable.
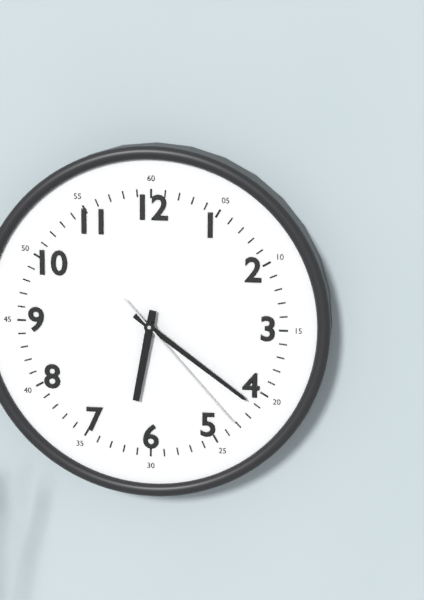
6:21:23
